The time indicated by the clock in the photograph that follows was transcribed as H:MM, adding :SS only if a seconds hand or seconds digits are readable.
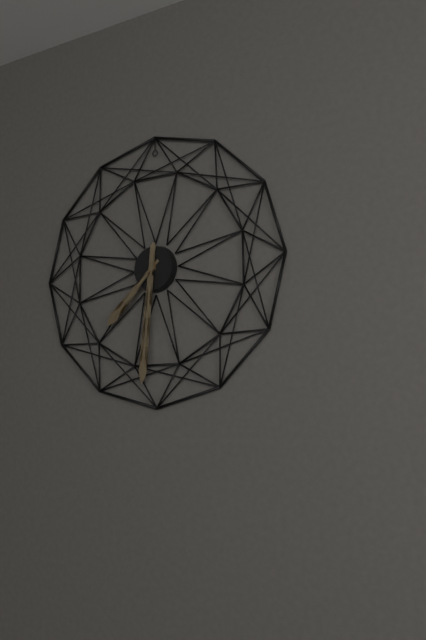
7:31
